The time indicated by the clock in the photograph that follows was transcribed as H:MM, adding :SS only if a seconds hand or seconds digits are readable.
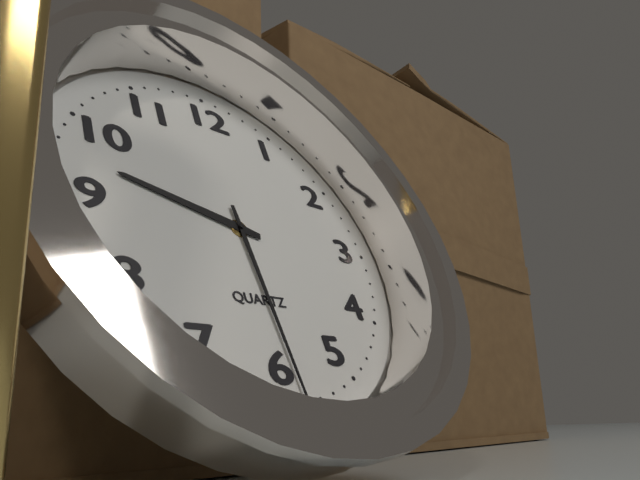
9:29
